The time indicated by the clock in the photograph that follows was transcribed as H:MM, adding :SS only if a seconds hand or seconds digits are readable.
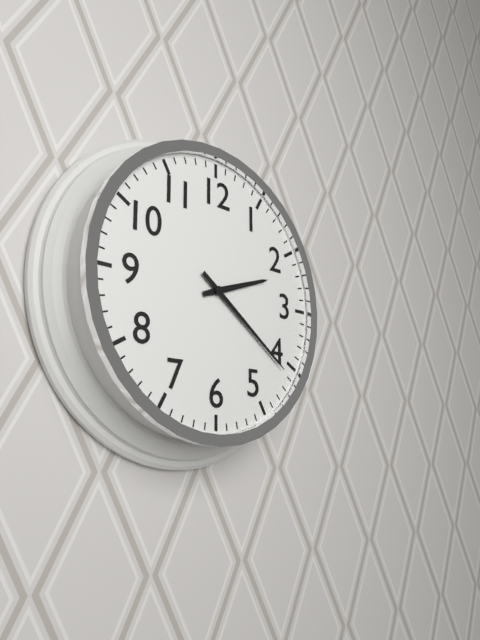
2:21
